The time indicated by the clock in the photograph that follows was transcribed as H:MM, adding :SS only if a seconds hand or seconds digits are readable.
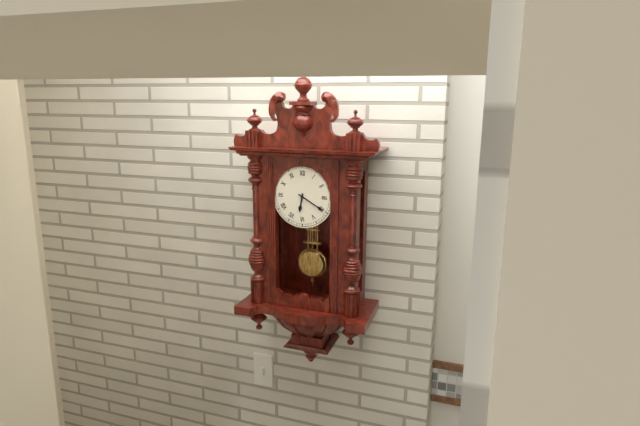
6:20
